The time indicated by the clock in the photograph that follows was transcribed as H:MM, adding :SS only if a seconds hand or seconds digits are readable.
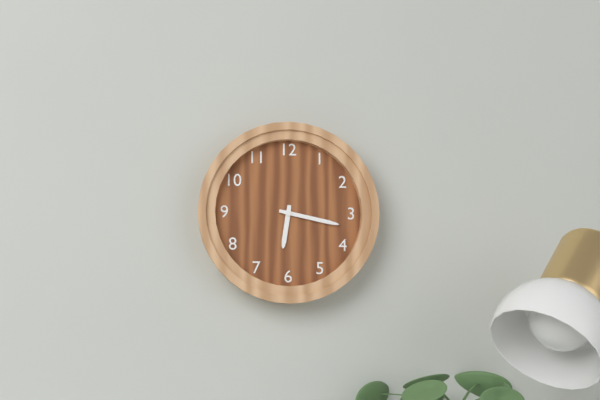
6:17
